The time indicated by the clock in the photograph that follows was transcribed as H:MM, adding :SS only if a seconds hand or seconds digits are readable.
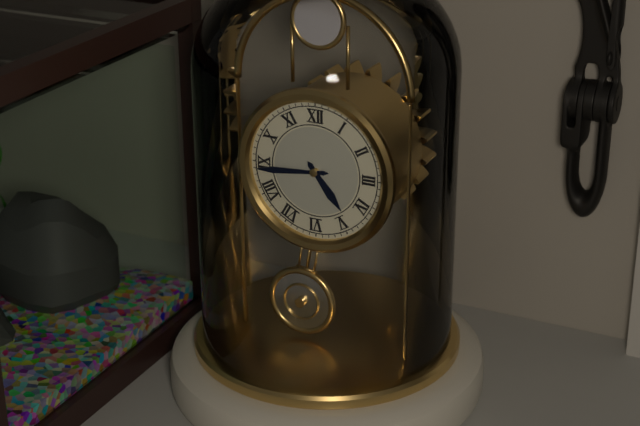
4:44
